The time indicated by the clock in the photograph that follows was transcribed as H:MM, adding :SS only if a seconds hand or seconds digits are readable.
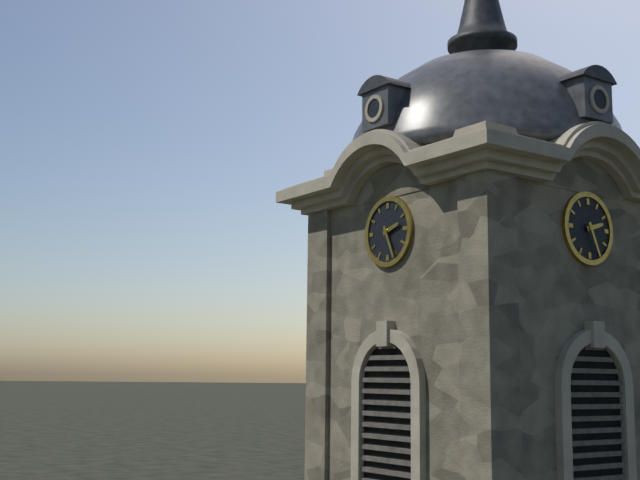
2:26
